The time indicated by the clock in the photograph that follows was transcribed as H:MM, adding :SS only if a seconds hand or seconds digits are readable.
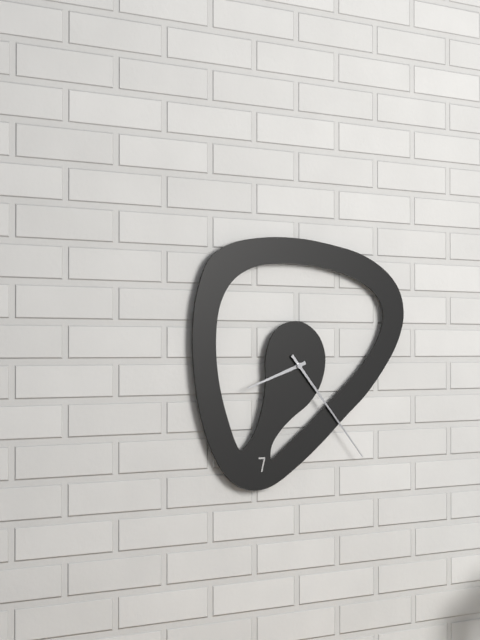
8:23
